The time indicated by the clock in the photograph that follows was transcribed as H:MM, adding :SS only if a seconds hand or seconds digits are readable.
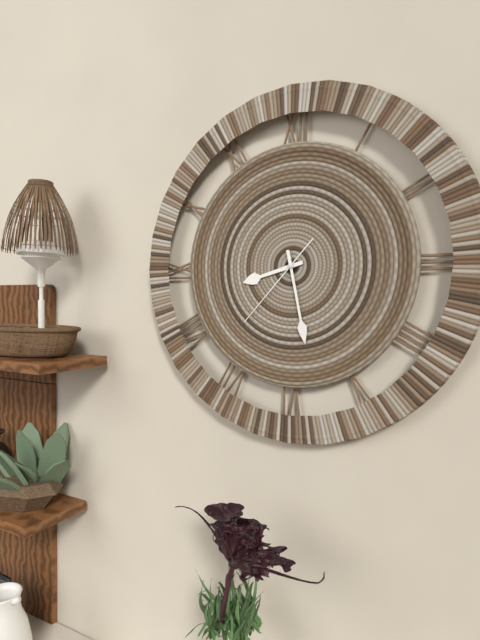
8:28:37
